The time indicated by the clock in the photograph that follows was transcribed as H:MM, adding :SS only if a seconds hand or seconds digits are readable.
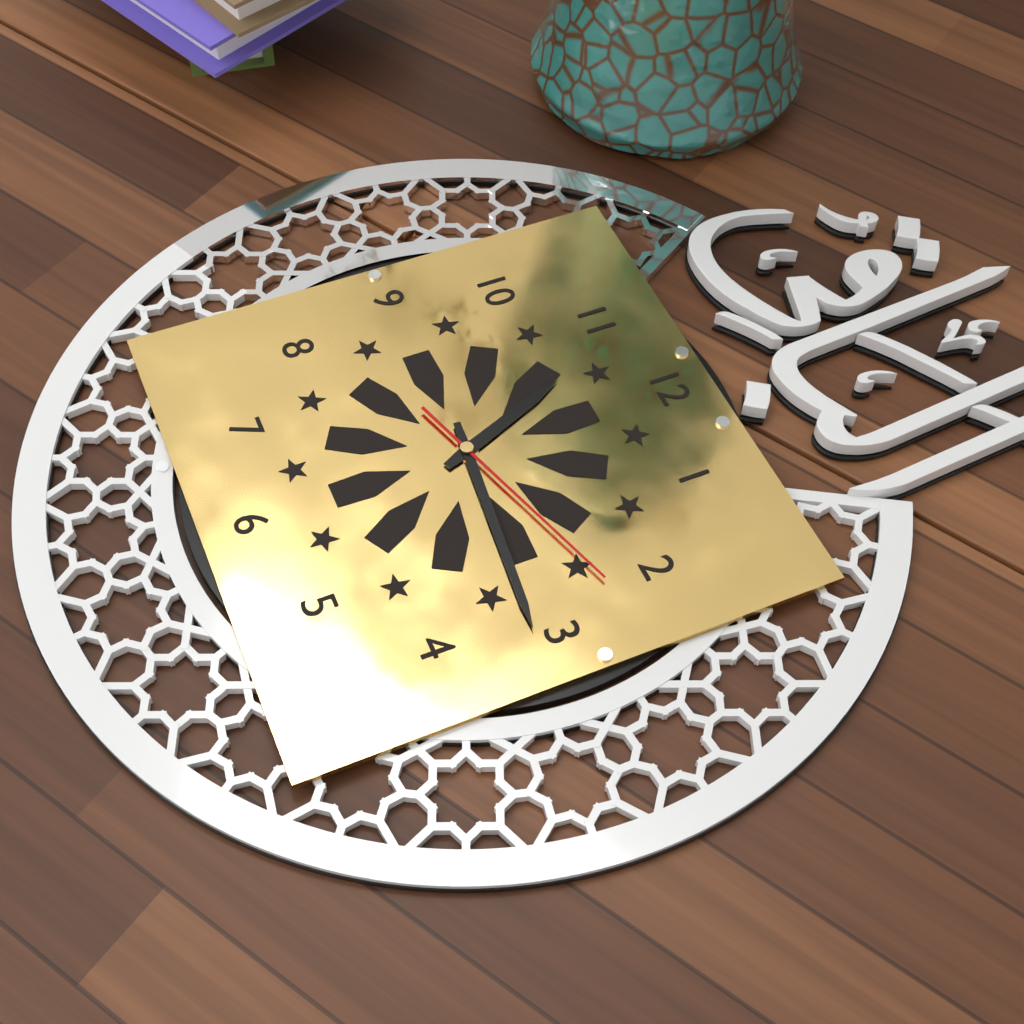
11:16:12
